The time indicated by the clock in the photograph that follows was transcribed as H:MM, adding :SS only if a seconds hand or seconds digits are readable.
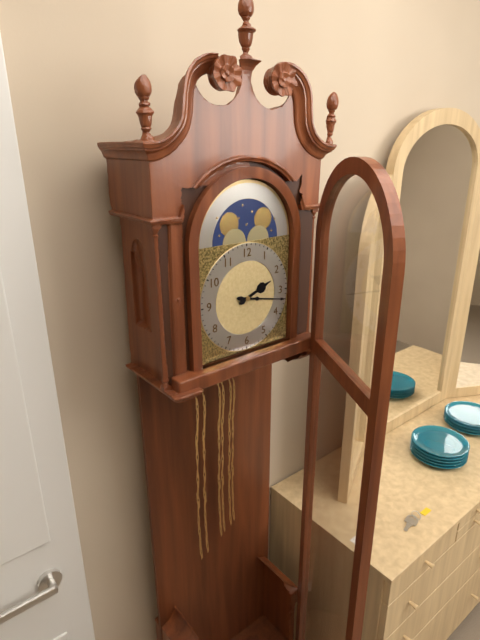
2:17
